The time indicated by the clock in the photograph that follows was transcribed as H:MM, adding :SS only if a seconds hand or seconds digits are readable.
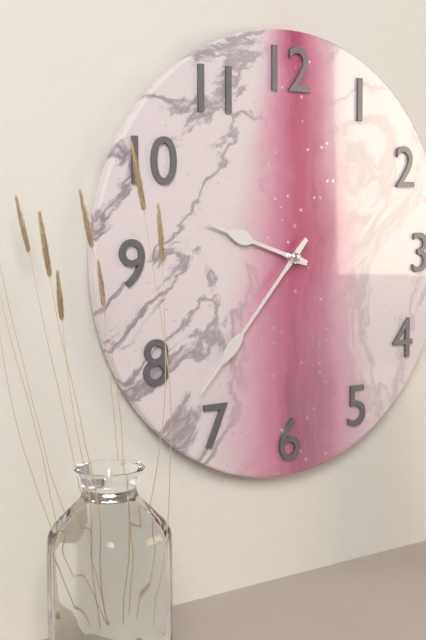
9:37
